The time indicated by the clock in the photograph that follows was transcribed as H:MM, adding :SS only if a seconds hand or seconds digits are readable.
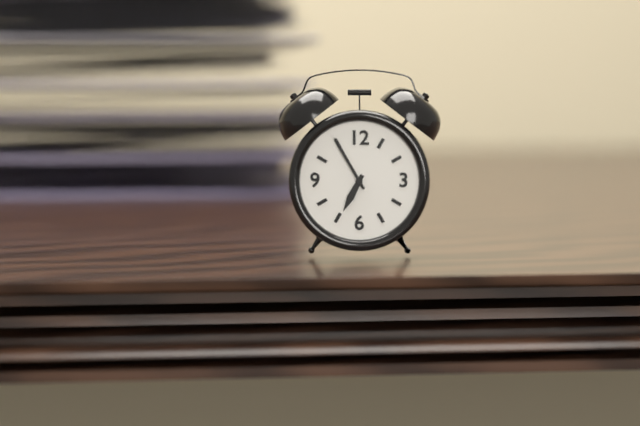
6:55
